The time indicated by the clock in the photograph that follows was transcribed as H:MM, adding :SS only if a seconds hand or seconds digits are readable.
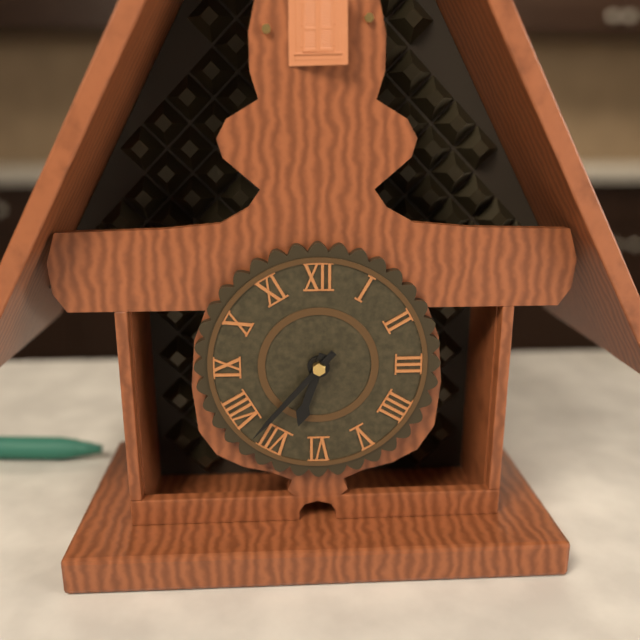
6:37
